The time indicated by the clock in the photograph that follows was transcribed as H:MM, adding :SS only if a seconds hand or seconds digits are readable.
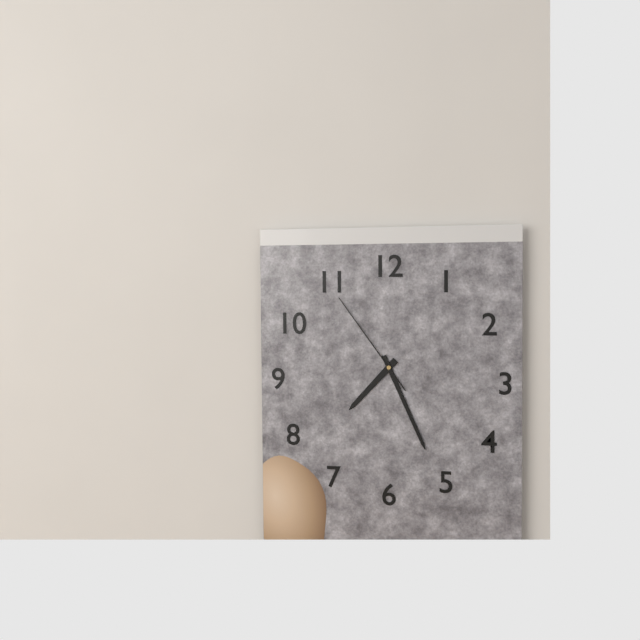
7:26:54
